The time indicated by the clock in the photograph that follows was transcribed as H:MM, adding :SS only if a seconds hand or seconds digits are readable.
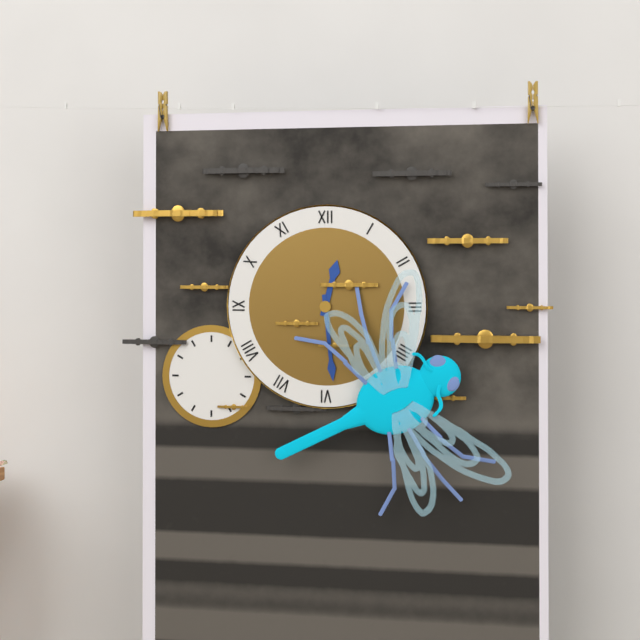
12:29
